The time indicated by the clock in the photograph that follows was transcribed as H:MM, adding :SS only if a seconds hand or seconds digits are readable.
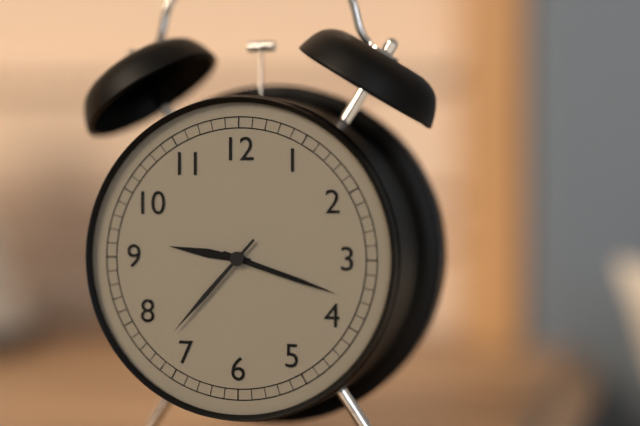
9:18:37
